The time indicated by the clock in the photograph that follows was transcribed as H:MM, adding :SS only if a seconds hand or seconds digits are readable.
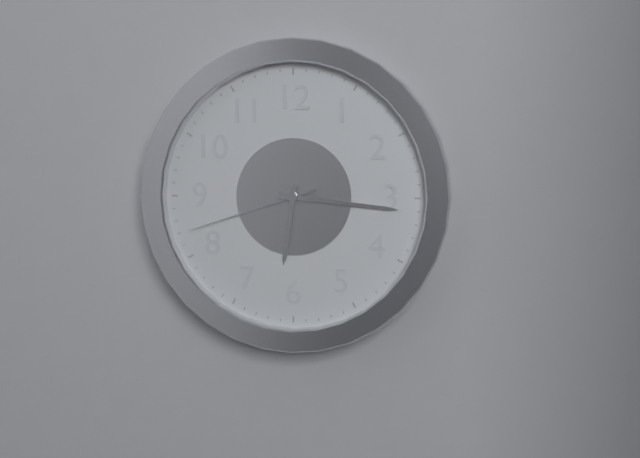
6:16:42
